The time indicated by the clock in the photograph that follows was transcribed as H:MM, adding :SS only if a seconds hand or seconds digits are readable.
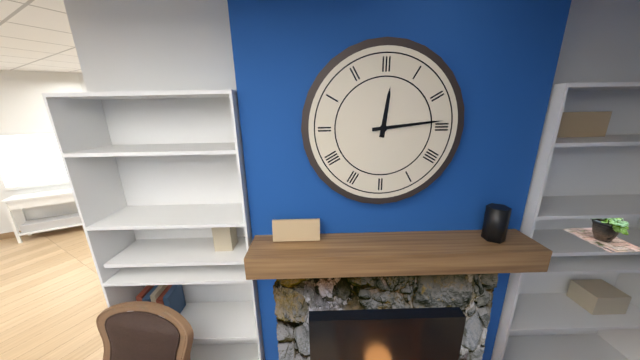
12:14
